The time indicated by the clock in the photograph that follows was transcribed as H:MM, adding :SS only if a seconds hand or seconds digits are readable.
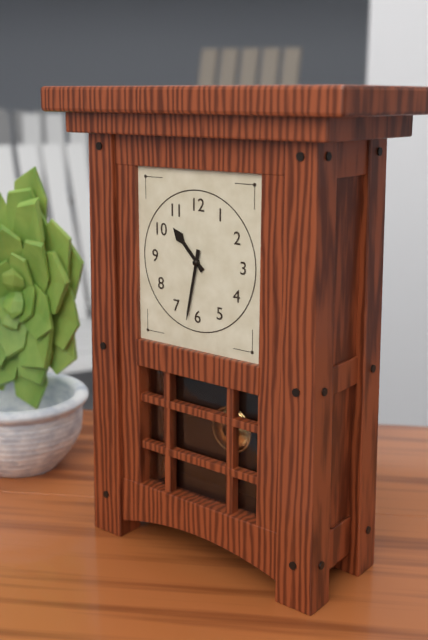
10:32
